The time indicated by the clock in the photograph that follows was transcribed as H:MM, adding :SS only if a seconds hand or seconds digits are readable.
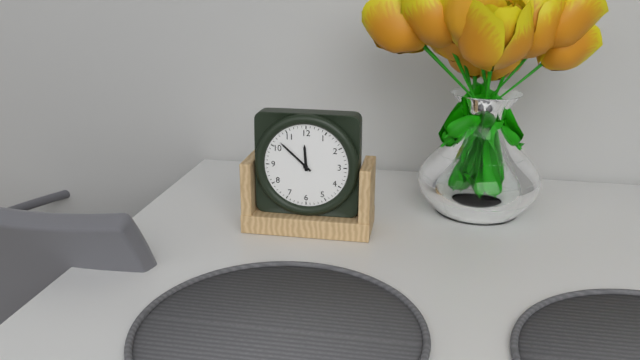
11:52
